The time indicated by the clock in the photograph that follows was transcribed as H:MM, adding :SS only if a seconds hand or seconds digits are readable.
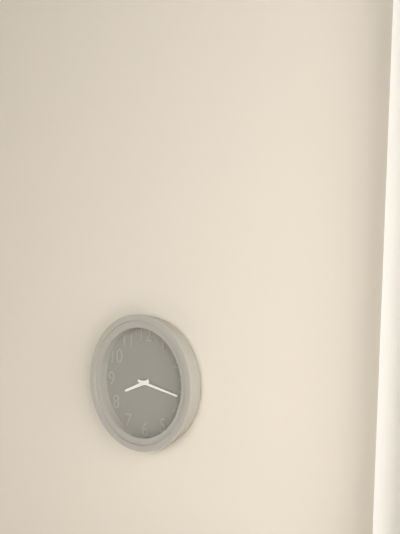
8:17
